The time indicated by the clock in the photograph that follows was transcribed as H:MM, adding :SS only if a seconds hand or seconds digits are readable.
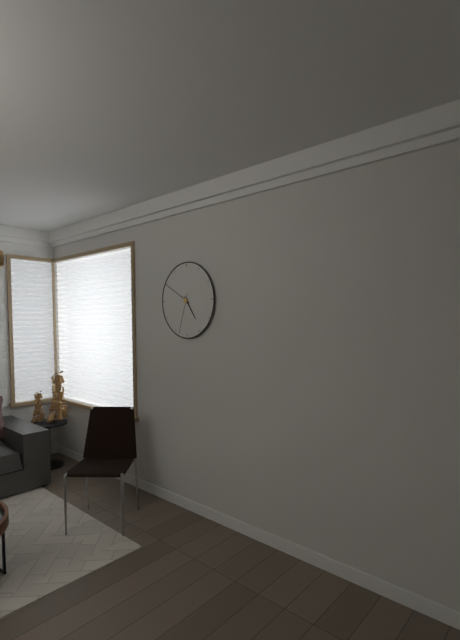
4:50
